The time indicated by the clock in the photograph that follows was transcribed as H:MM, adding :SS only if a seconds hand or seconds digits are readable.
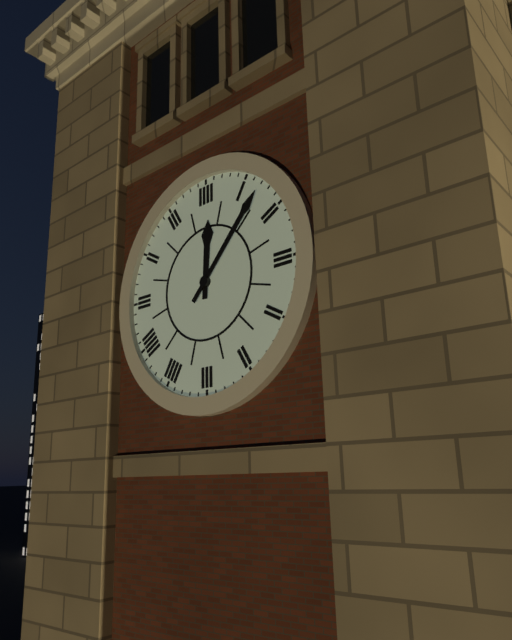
12:07
